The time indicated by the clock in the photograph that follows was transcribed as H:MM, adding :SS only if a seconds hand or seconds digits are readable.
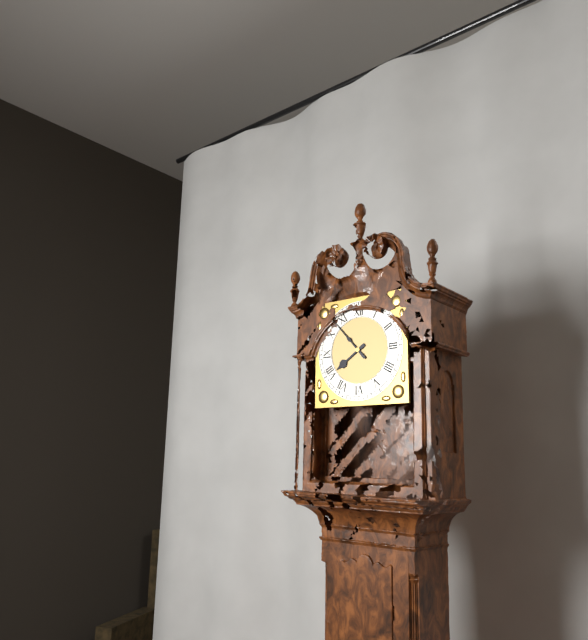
7:53
